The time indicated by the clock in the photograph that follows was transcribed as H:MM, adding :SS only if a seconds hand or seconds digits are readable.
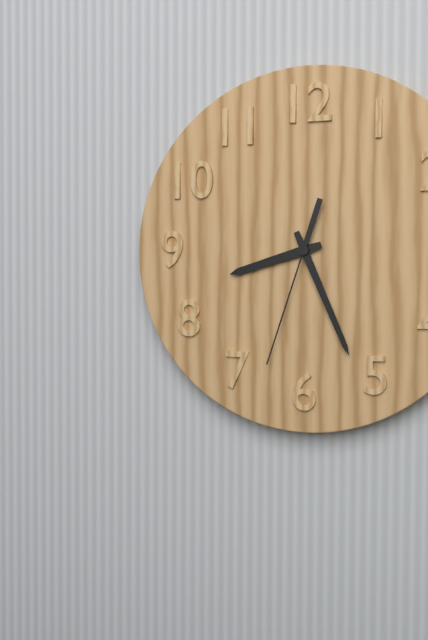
8:26:33
